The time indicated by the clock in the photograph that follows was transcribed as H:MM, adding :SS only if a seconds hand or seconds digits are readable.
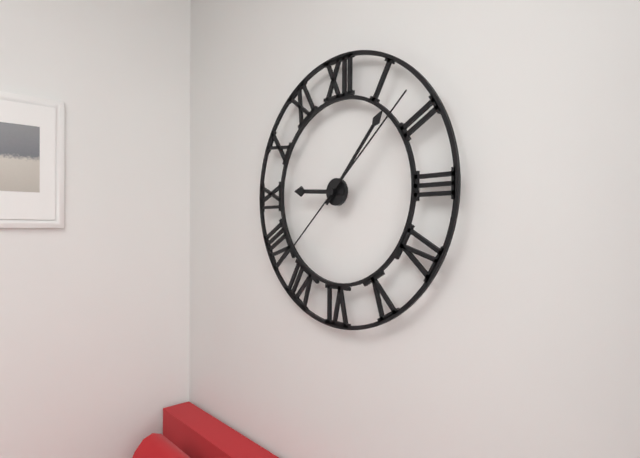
9:07:08
